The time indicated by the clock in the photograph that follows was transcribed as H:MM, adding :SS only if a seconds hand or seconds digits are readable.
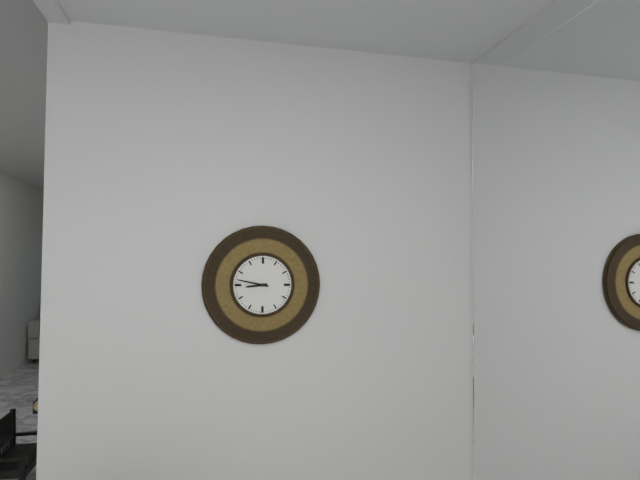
8:47
